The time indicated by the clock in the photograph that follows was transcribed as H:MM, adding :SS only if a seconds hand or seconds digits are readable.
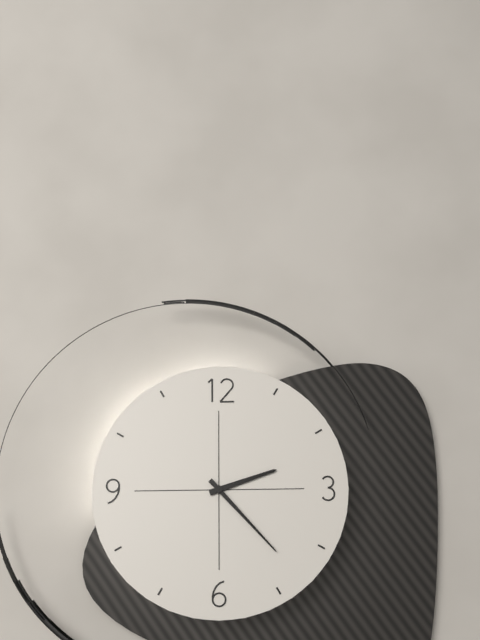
2:23
